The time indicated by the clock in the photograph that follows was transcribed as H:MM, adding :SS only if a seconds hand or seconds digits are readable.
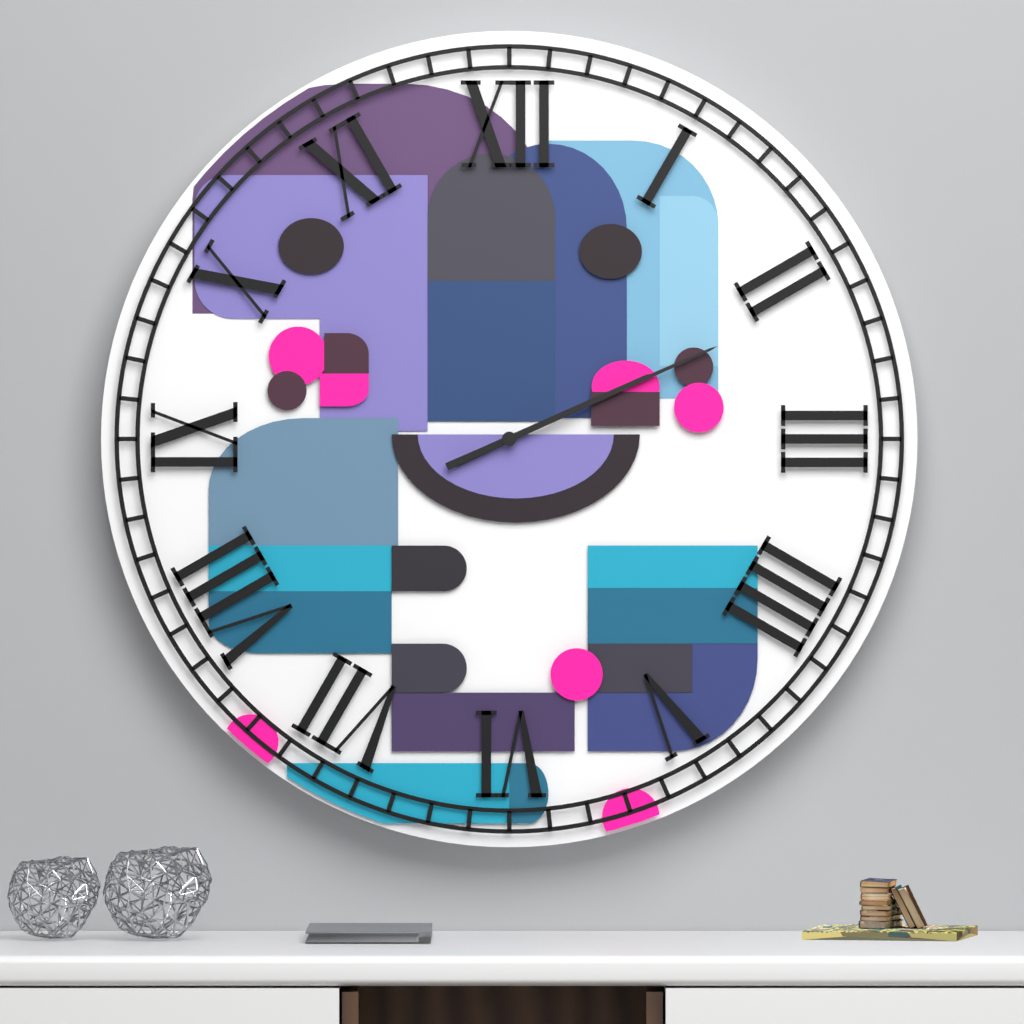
2:11
